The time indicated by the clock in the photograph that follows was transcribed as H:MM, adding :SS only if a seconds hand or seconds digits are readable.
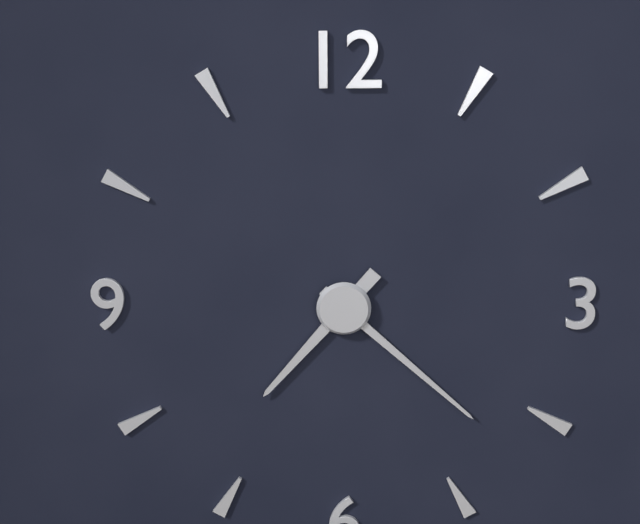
7:22
